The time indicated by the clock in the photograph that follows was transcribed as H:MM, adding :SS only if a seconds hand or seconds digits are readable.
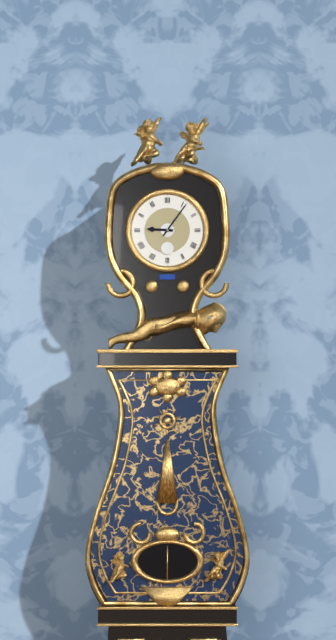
9:06
